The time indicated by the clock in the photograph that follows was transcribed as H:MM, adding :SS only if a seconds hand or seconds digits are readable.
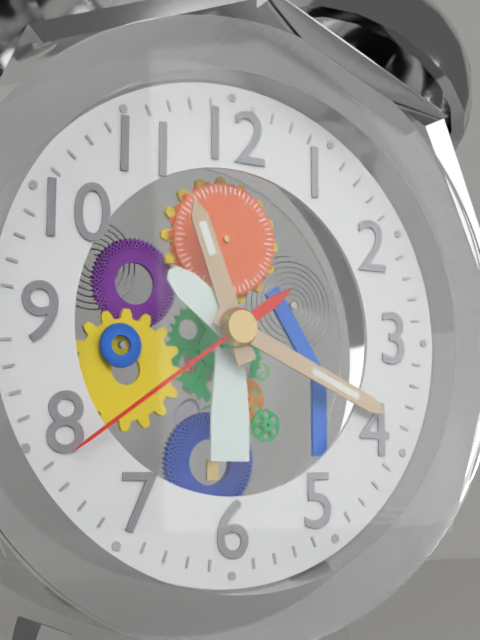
11:19:39
